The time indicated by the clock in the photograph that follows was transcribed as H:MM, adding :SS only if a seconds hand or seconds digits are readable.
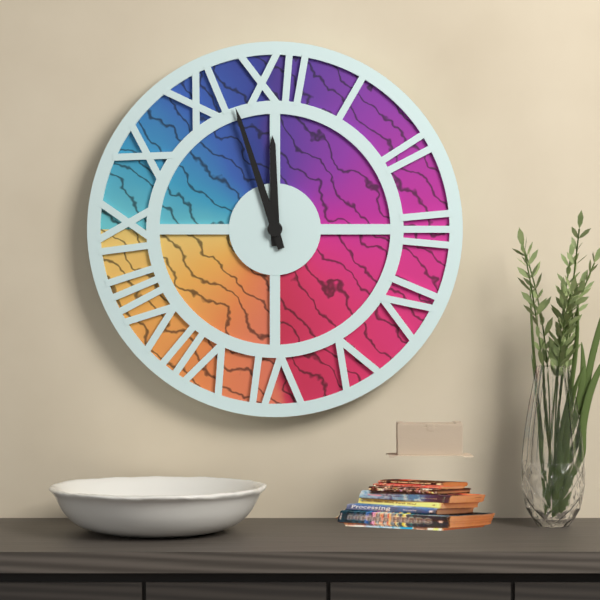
11:57
